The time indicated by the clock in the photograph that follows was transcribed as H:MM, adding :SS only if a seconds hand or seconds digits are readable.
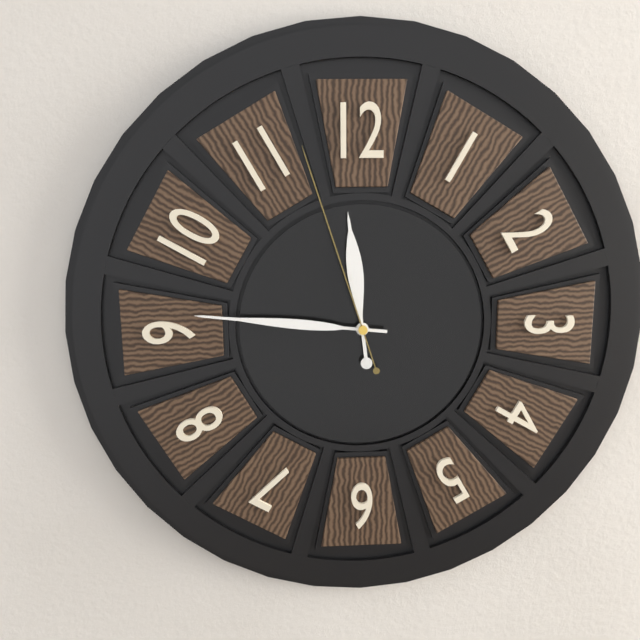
11:46:57
